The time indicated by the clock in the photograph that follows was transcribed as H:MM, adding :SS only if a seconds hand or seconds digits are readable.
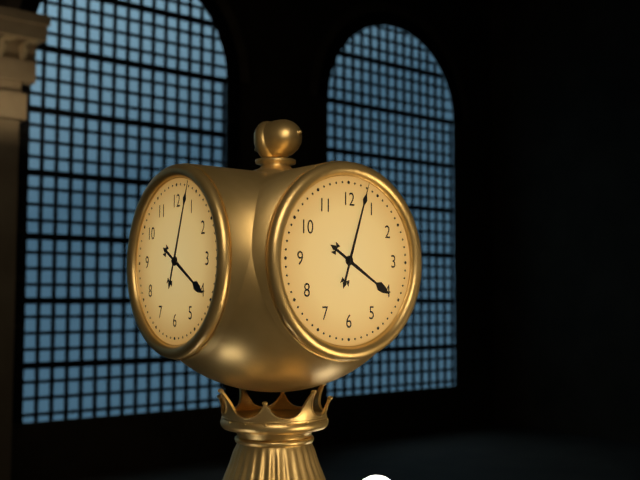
4:03
